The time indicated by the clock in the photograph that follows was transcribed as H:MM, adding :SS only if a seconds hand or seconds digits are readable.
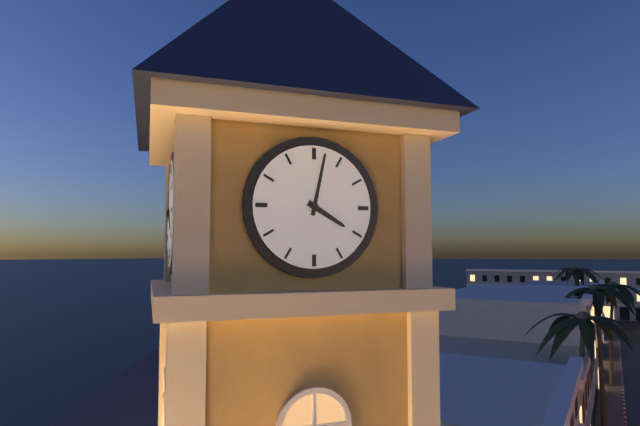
4:02
